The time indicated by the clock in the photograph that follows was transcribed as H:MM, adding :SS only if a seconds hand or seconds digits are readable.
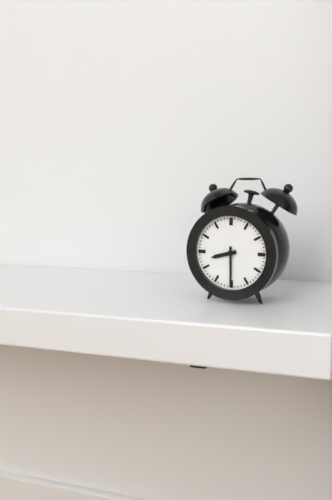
8:30
